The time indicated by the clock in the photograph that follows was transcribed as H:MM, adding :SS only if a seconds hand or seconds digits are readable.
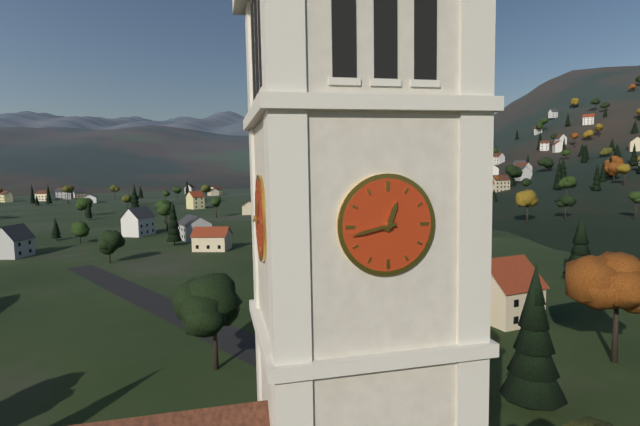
12:43
